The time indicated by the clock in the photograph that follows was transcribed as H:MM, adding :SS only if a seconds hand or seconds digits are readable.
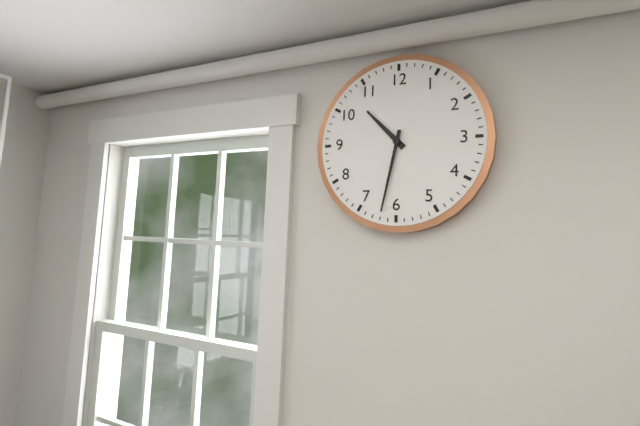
10:32
